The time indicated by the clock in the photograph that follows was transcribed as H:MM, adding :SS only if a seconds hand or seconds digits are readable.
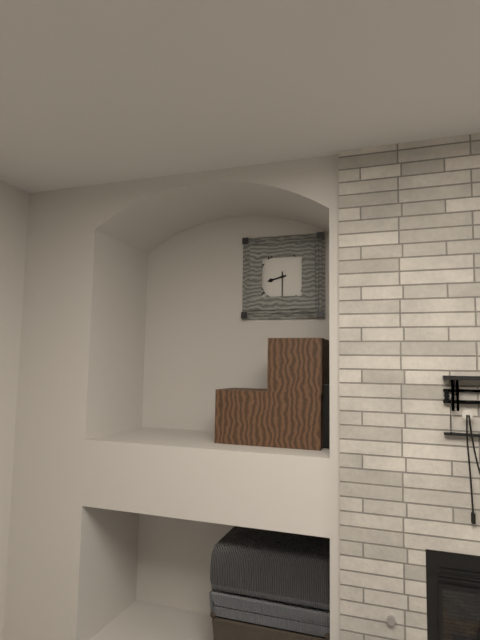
8:30
